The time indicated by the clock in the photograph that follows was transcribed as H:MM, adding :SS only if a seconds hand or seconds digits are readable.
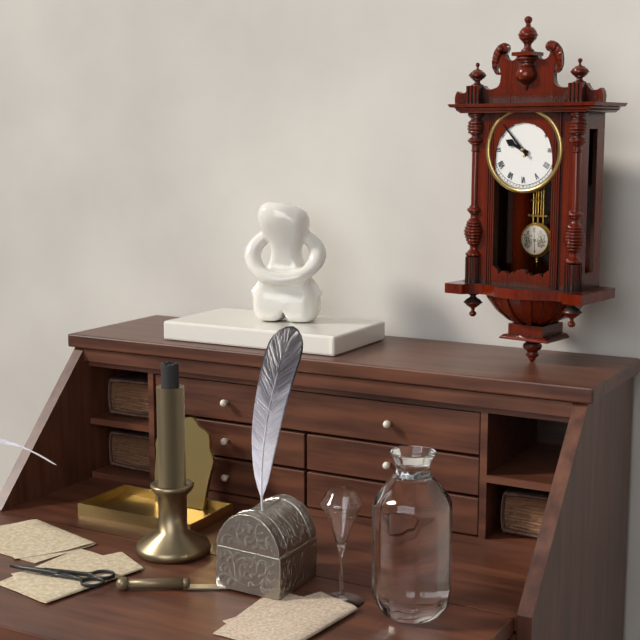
9:53
